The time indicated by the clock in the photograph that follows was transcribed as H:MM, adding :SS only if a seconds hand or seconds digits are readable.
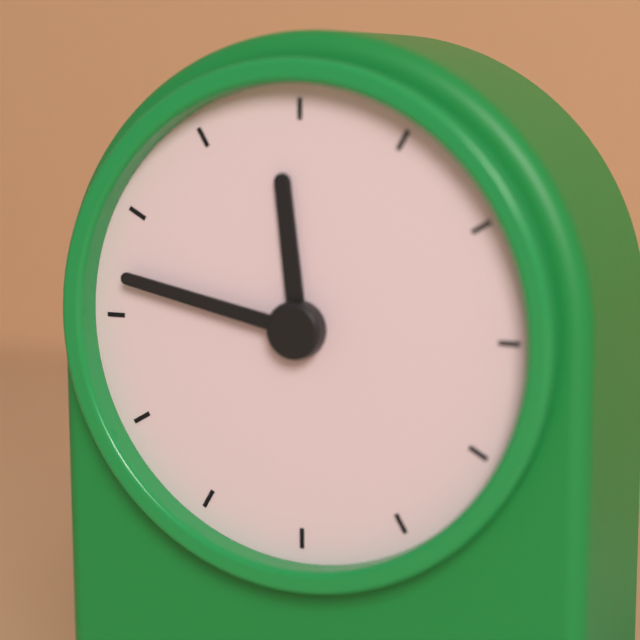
11:47
